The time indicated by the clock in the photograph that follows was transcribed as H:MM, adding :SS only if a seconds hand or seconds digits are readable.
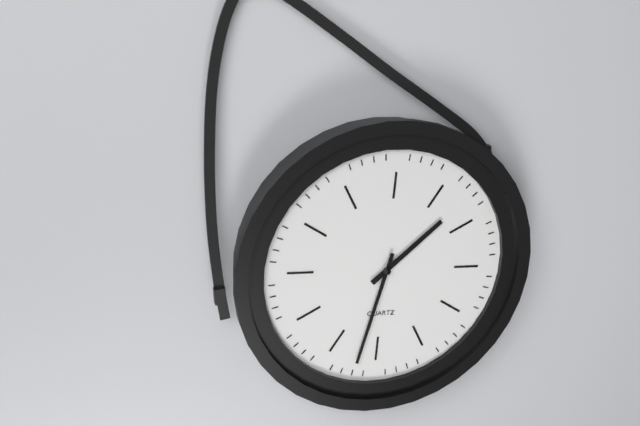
1:32
